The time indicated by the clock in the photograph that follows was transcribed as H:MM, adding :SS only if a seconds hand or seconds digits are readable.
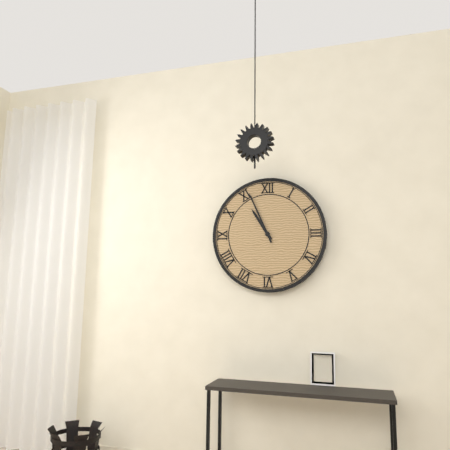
10:56
